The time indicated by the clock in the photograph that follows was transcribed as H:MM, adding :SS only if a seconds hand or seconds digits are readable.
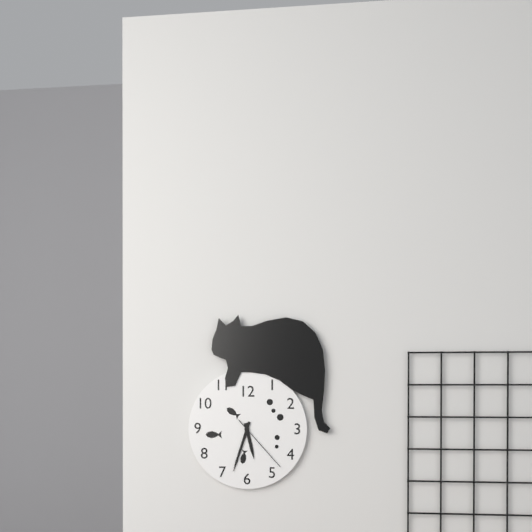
5:33:23
